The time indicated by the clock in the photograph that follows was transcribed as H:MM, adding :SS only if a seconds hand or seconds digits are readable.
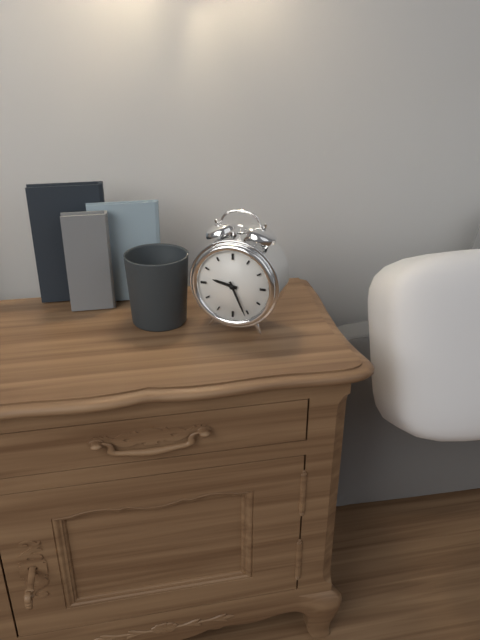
9:26
